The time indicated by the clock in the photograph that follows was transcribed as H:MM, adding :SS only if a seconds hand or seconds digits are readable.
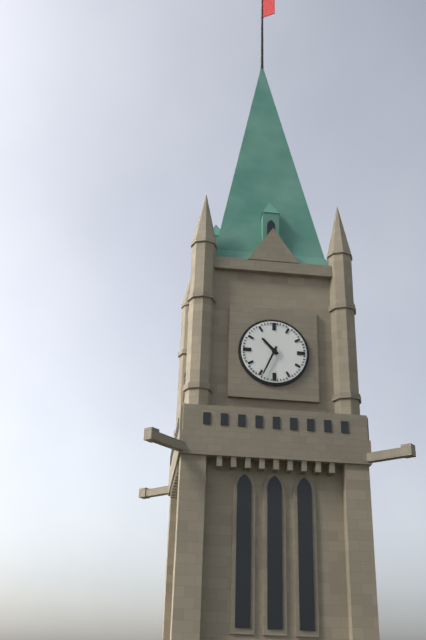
10:34
